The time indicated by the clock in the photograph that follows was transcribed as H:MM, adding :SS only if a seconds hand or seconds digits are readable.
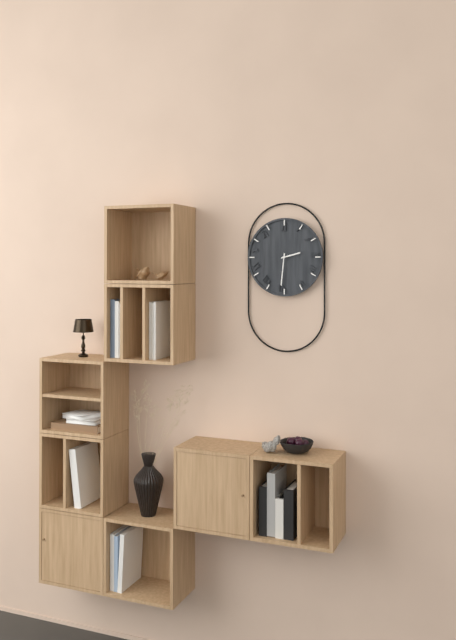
2:31
